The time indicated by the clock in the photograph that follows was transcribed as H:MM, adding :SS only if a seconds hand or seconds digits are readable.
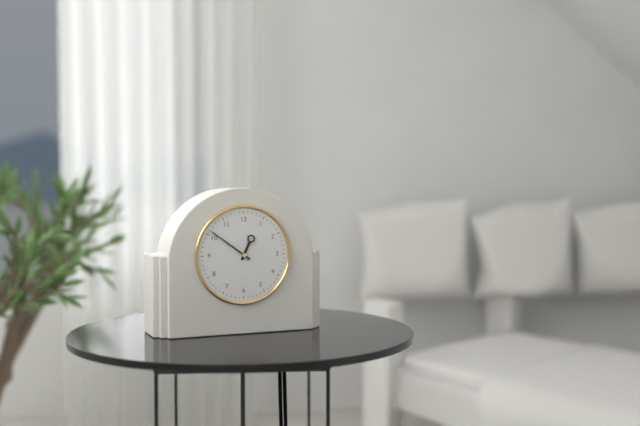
12:51
